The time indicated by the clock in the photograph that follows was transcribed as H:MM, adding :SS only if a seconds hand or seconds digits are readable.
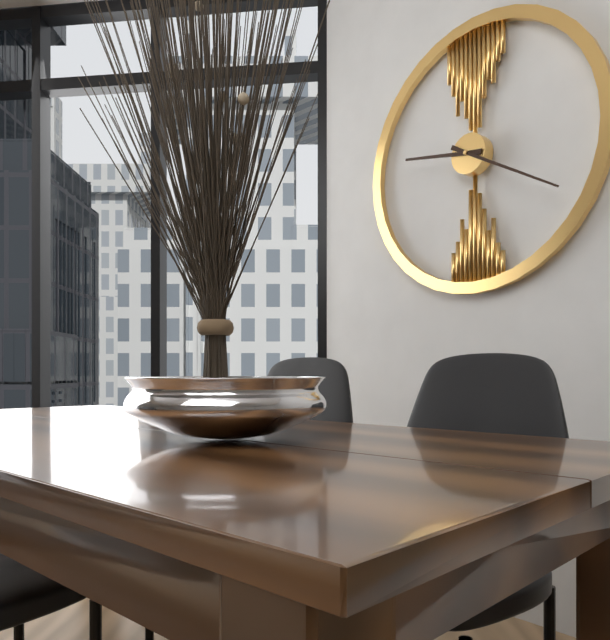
9:20
